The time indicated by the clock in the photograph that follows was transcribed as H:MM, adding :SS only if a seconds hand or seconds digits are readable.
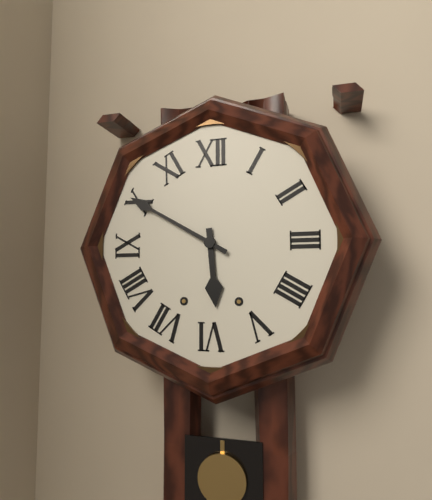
5:50
